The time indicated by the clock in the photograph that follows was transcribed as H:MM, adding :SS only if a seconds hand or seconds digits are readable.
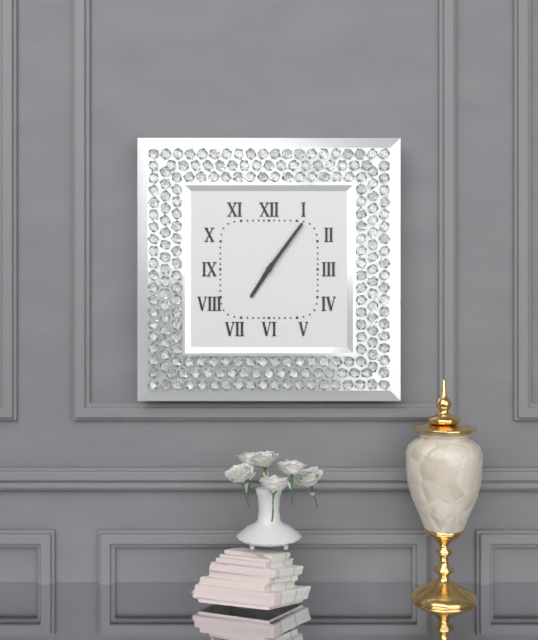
7:06
